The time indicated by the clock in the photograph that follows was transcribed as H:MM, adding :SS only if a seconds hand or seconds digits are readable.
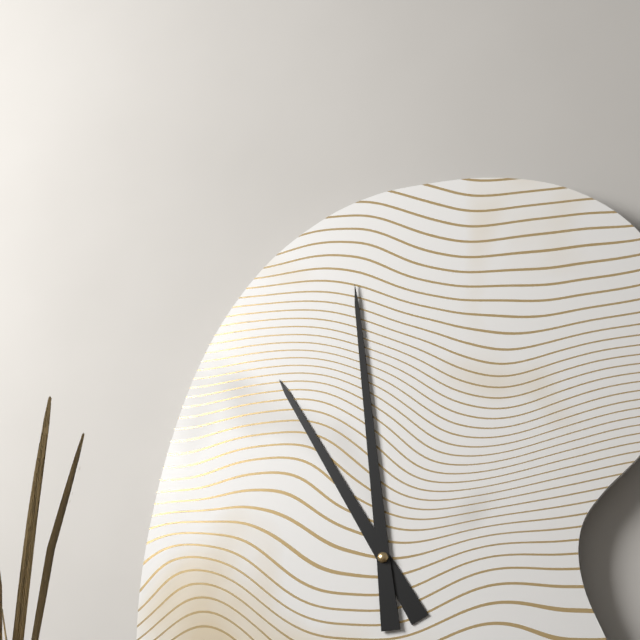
10:59
